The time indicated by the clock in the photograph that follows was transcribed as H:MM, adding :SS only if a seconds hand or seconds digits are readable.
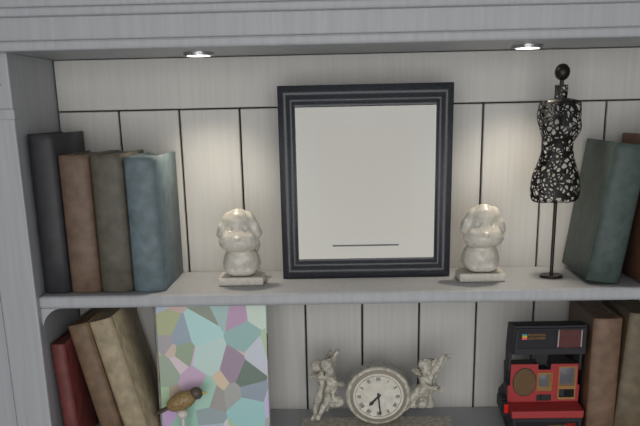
7:29
